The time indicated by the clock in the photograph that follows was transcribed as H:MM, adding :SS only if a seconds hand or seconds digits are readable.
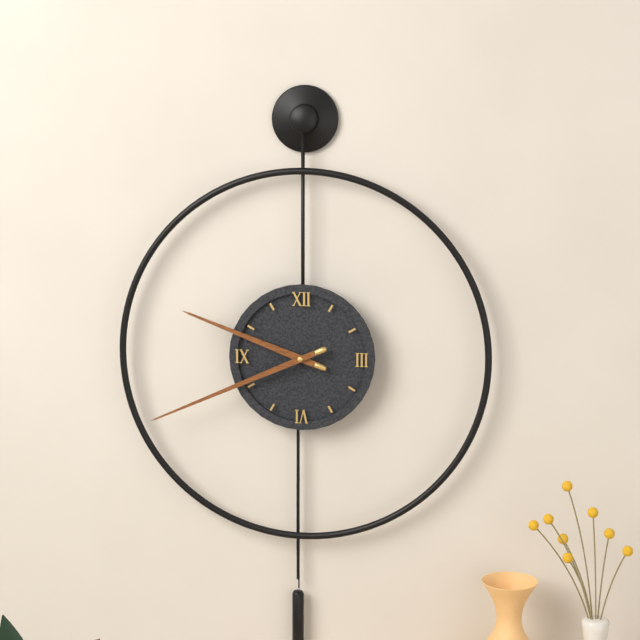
9:41
